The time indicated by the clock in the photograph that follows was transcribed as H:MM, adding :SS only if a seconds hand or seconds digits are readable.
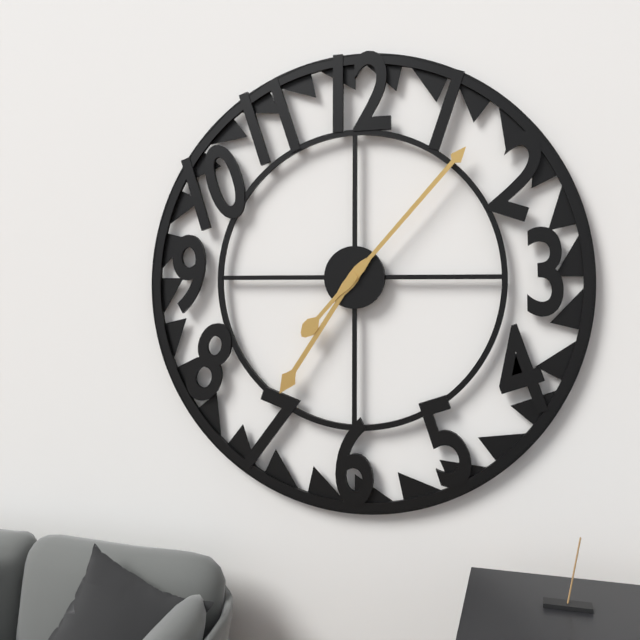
7:07
